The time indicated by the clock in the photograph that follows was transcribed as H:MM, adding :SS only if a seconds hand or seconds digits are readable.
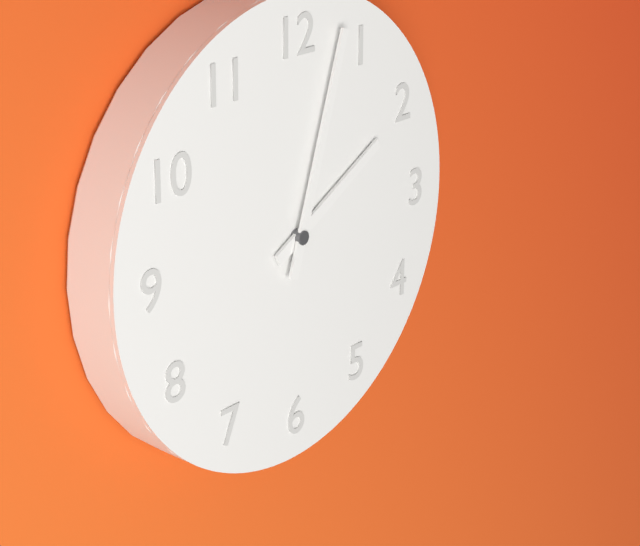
2:03
